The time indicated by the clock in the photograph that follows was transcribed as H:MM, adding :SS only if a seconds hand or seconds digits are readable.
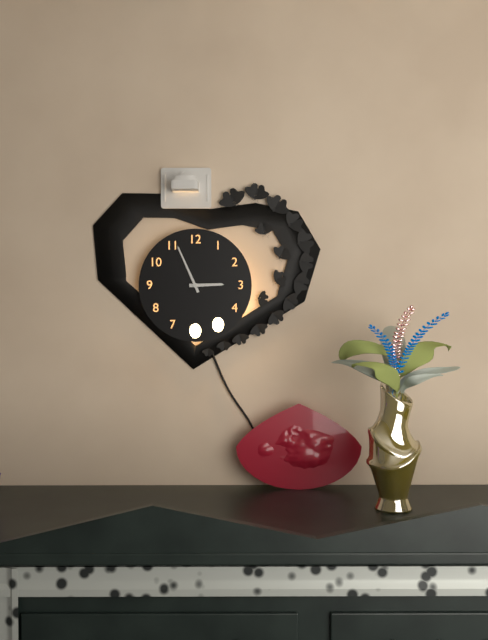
2:56
